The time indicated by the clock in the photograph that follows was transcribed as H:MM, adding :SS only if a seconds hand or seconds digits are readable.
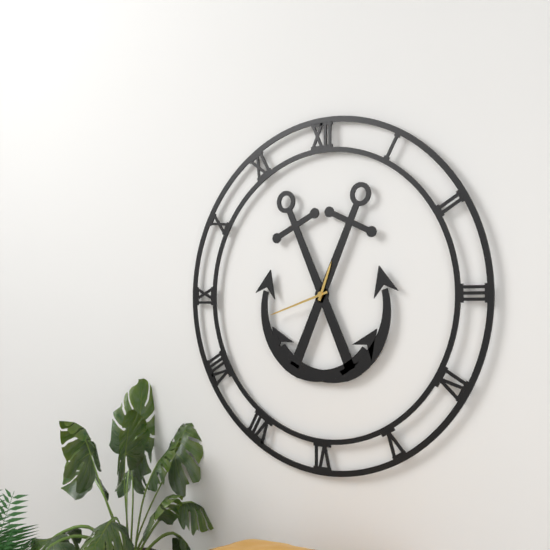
12:42
